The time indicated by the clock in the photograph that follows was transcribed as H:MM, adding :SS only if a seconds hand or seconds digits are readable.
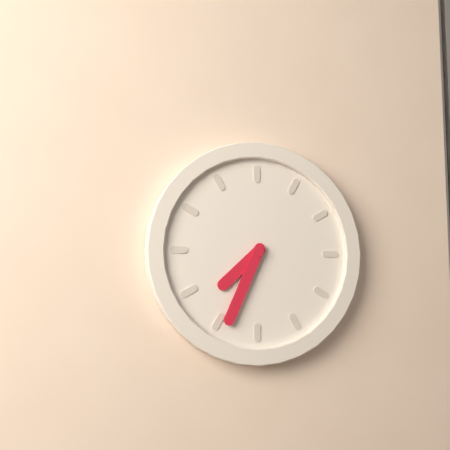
7:34
